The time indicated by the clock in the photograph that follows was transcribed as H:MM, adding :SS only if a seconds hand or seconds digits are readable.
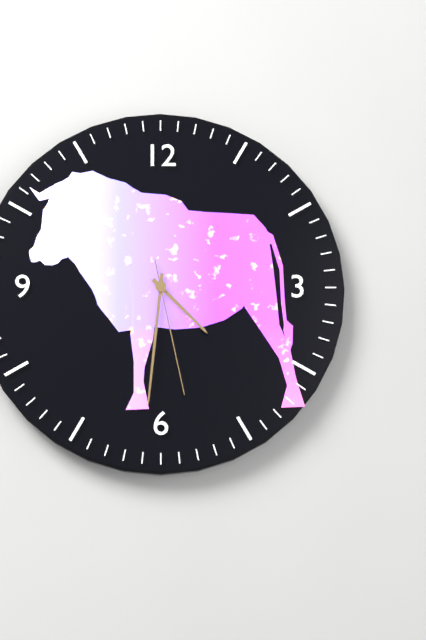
4:31:28
